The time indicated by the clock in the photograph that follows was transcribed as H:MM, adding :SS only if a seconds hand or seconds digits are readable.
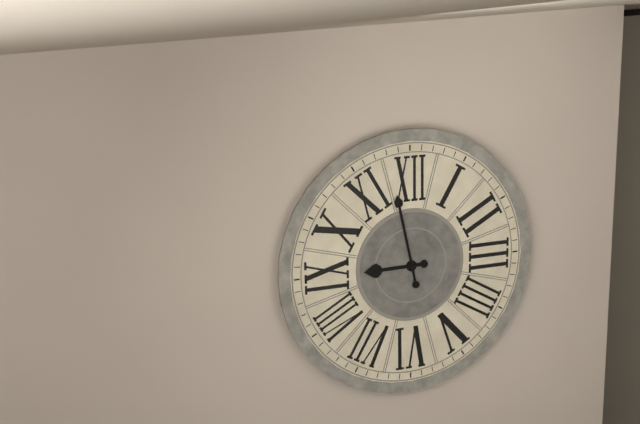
8:58
